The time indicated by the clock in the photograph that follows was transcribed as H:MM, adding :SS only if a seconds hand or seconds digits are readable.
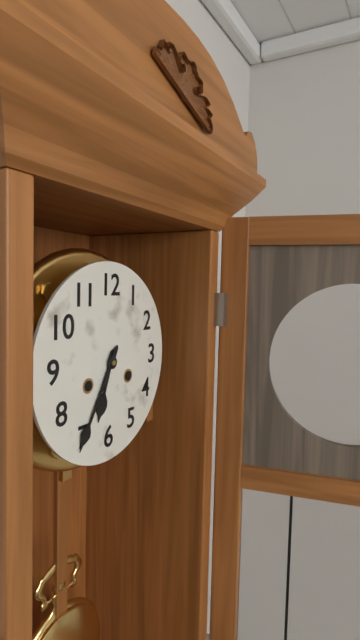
6:35
